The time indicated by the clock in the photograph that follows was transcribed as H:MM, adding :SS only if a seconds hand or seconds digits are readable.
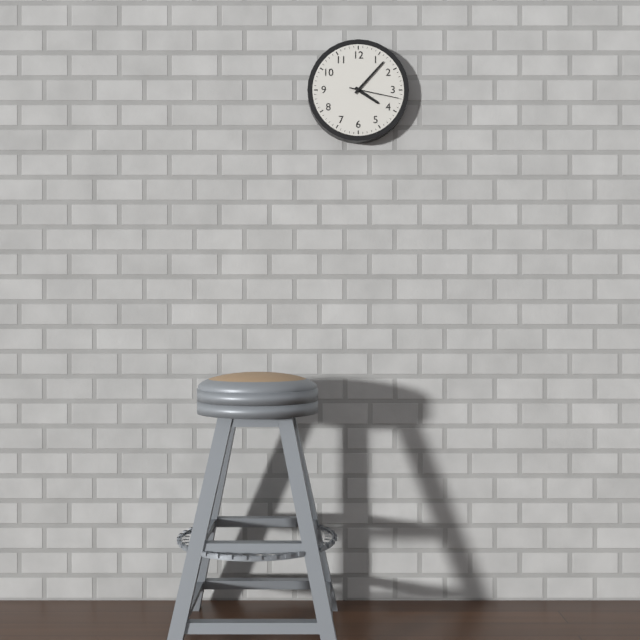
4:07:17
